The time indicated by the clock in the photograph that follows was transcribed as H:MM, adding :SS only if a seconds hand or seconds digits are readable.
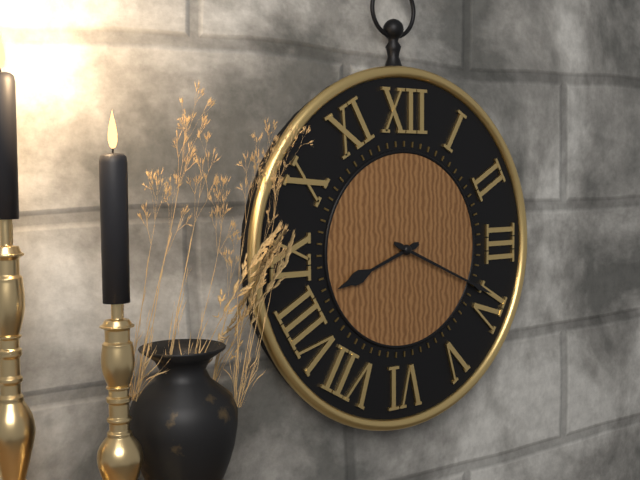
8:19
